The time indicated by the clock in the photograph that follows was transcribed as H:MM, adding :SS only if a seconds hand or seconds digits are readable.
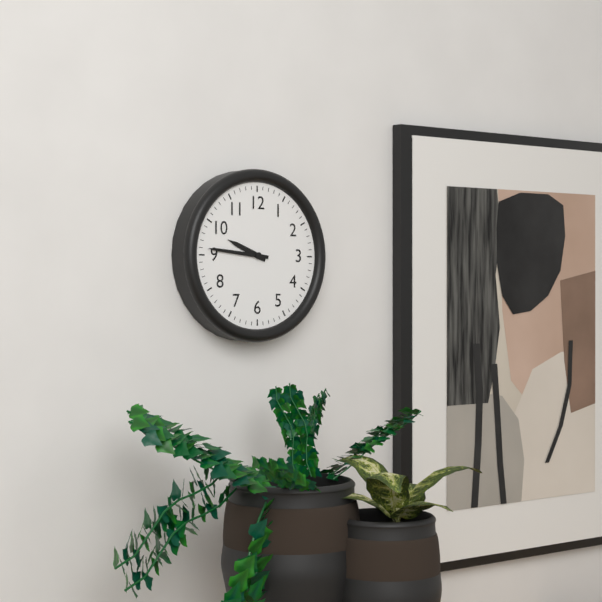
9:46
